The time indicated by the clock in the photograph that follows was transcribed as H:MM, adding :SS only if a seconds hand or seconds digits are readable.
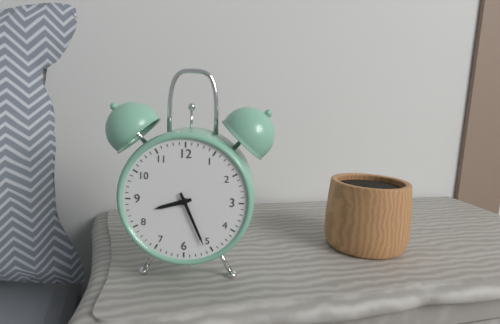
8:26
